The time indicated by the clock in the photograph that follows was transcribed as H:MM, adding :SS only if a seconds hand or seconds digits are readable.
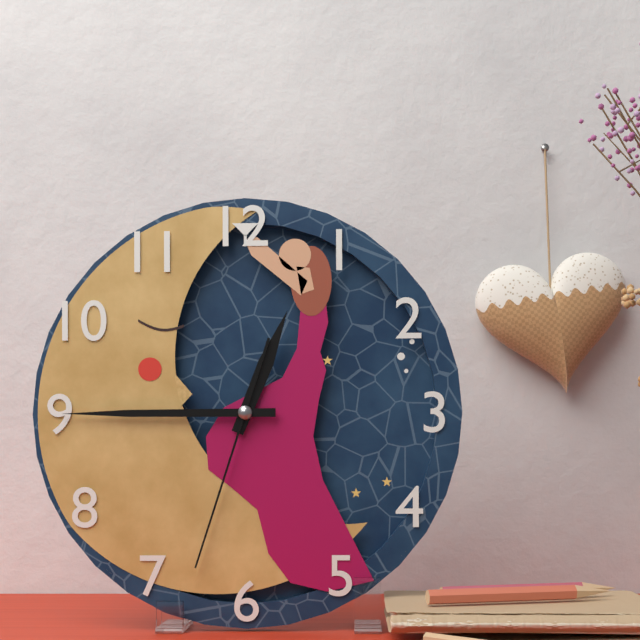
12:45:33
